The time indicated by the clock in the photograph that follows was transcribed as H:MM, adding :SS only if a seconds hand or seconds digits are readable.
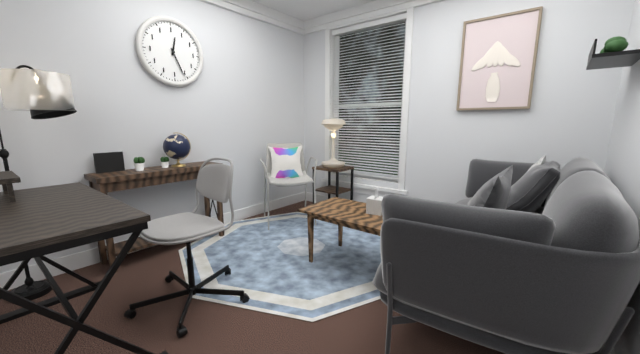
12:26
